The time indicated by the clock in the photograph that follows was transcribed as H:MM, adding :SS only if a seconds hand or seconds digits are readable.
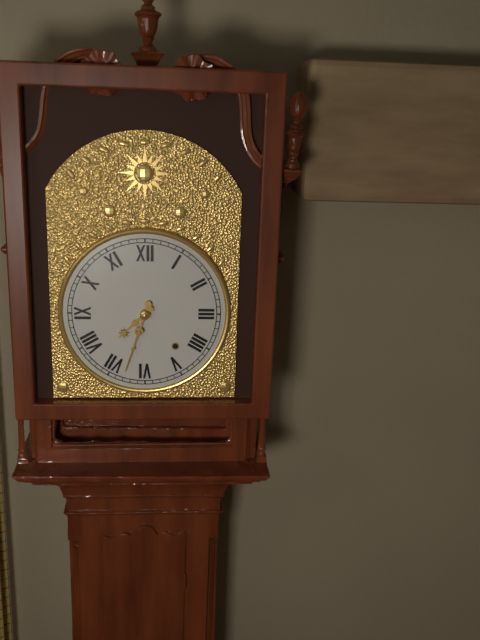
7:33
